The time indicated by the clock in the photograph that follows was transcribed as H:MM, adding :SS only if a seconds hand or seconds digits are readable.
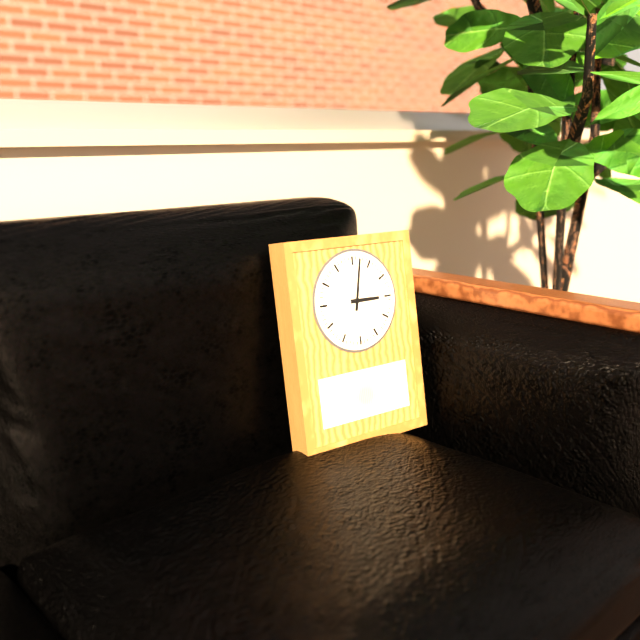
3:02
